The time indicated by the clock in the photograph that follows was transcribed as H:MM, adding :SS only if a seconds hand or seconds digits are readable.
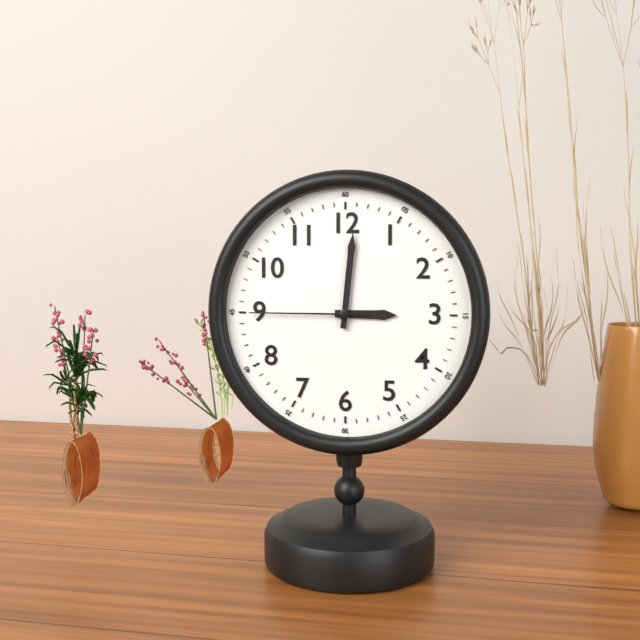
3:01:45
